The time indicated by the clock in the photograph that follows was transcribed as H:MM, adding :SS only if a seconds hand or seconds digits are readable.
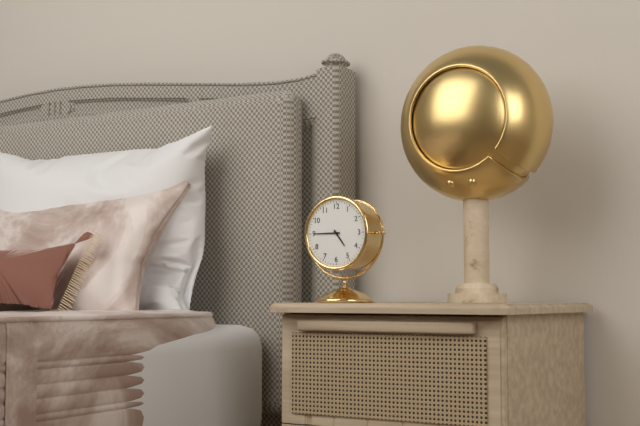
4:45
